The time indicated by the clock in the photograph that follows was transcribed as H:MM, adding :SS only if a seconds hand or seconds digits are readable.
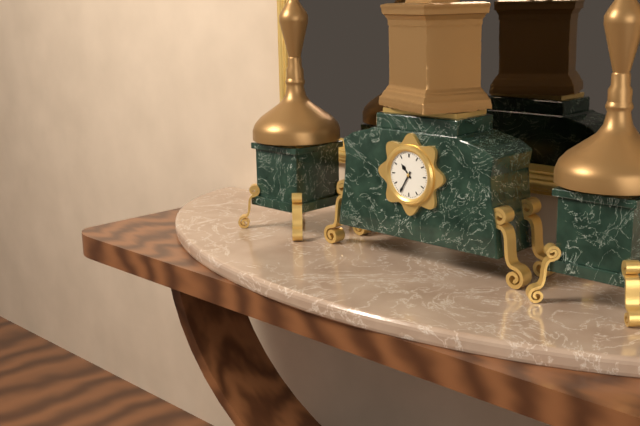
10:35
